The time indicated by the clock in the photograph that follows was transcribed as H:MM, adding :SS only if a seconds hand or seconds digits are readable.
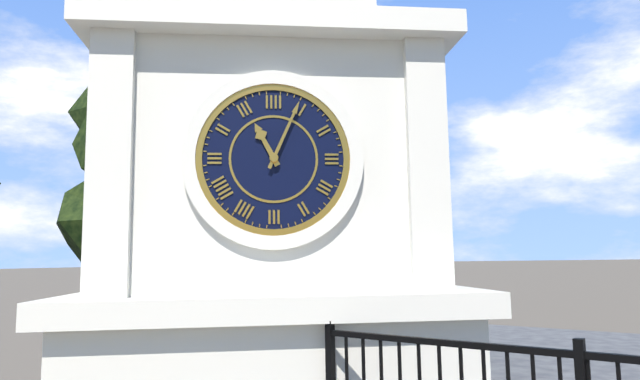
11:04
